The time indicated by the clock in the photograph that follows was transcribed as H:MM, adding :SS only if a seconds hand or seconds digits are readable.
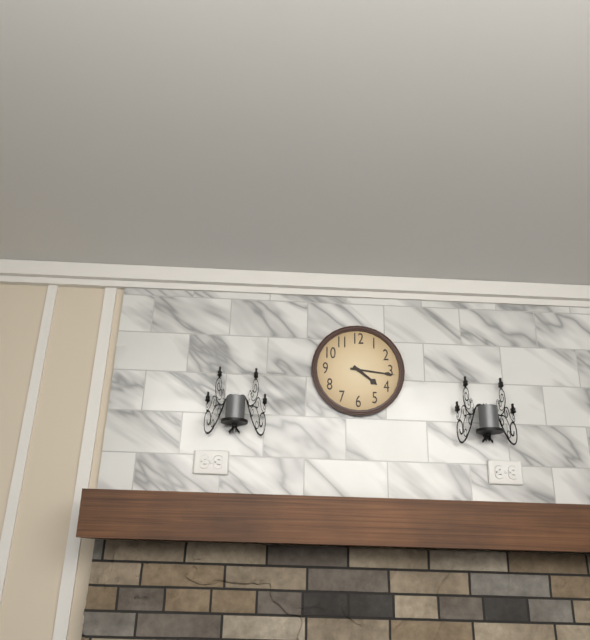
4:16
